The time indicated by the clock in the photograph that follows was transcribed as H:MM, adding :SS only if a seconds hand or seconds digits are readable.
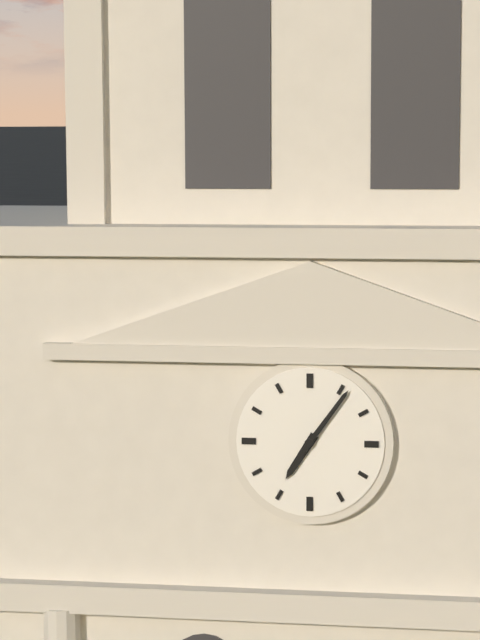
7:06
